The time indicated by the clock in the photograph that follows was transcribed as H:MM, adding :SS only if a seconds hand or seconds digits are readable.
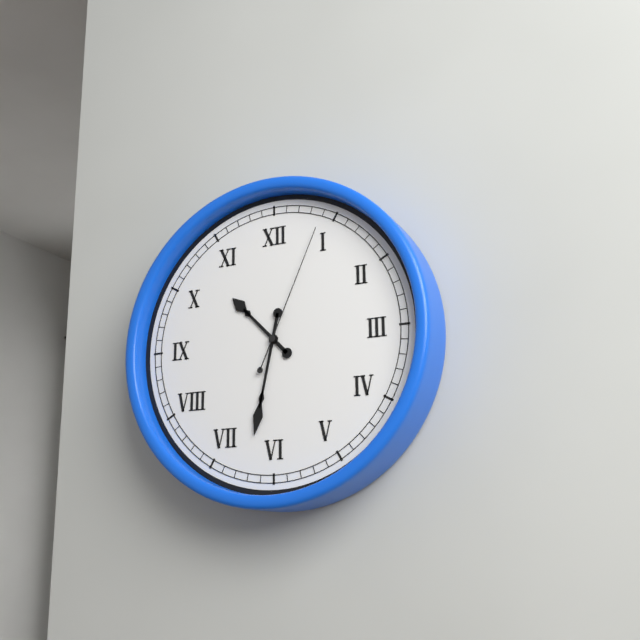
10:32:04
